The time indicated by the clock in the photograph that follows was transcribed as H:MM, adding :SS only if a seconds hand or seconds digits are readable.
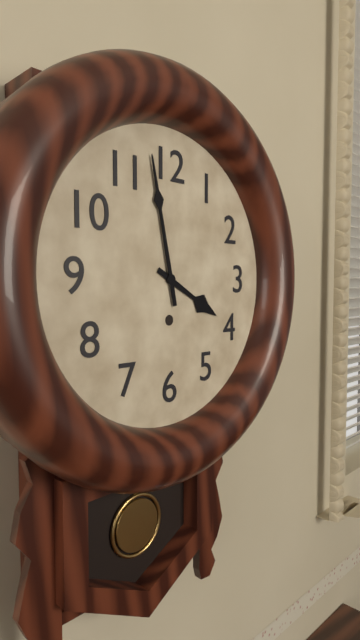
3:58
